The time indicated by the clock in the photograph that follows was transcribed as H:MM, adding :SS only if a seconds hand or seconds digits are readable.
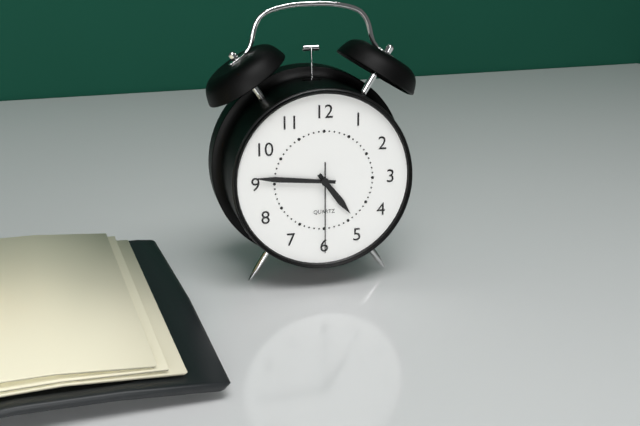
4:46:30
